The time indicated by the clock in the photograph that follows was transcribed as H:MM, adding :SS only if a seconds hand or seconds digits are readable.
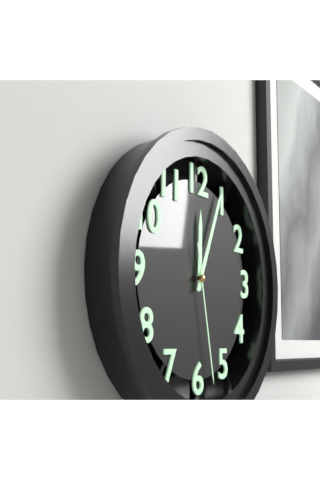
12:04:28
